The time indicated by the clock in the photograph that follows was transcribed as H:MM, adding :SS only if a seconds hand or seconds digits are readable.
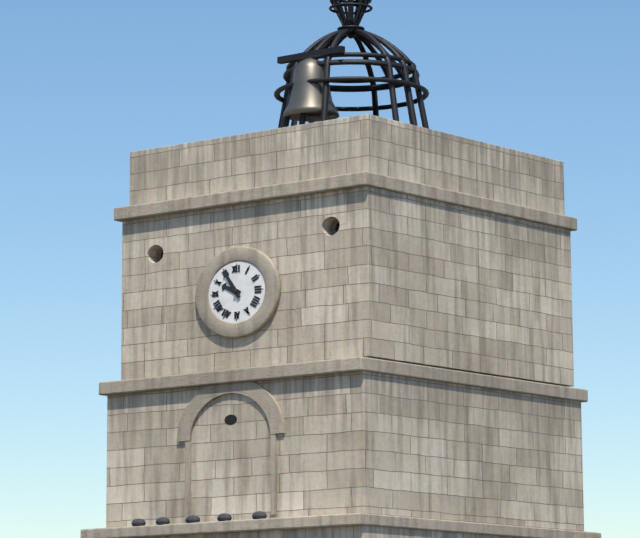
9:55
